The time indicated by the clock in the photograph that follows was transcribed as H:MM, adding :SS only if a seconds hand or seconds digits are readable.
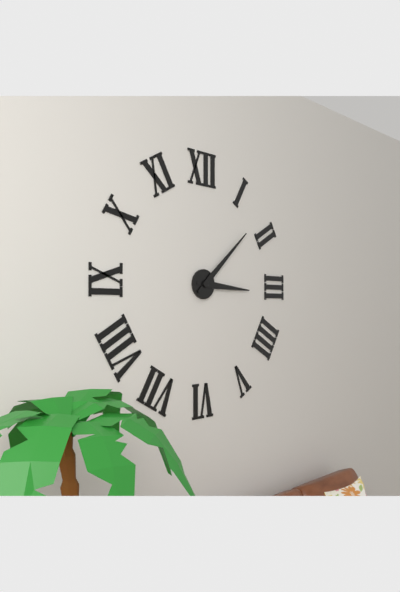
3:08
